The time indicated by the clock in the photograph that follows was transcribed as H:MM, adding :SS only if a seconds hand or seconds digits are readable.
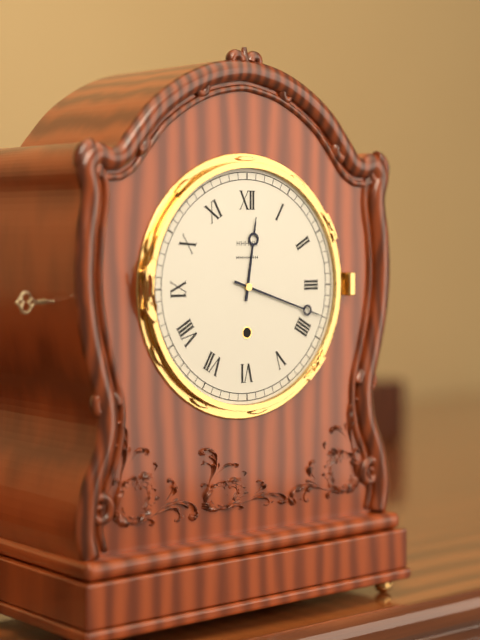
12:18
